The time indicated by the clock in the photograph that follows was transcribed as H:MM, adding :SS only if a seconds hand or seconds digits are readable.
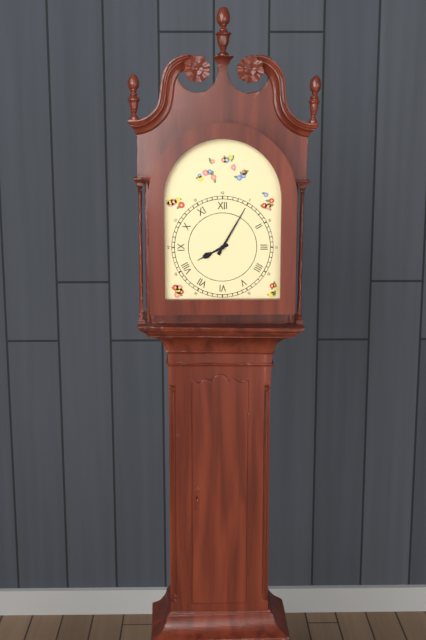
8:05
